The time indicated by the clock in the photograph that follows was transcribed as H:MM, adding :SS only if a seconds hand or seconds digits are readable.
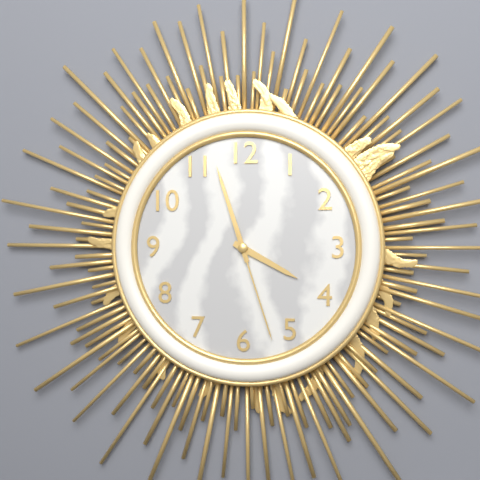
3:57:27
